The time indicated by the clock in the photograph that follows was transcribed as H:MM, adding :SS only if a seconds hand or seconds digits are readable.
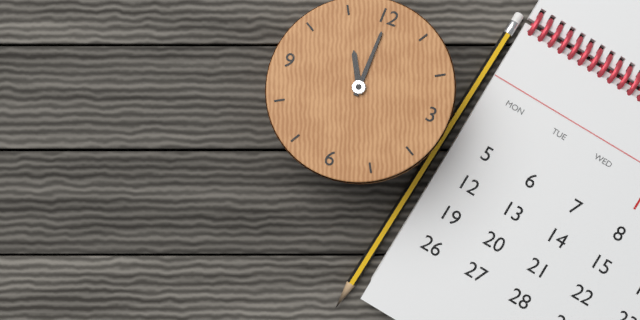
11:00
